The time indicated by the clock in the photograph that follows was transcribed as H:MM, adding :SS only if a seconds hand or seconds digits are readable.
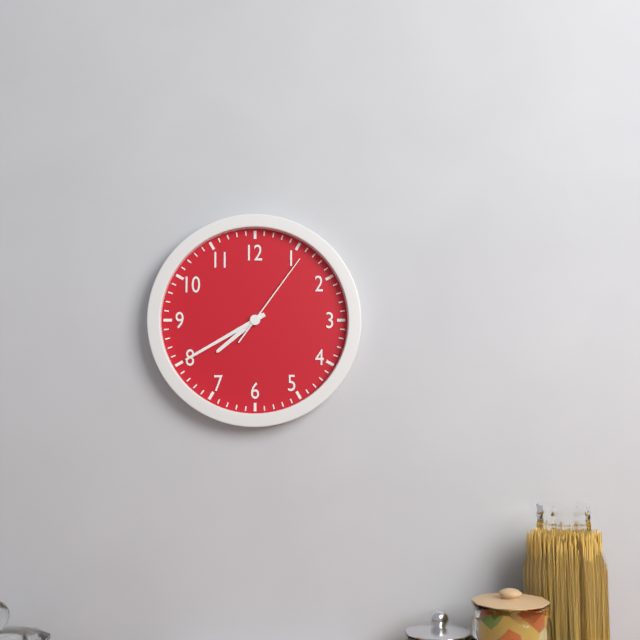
7:40:06
